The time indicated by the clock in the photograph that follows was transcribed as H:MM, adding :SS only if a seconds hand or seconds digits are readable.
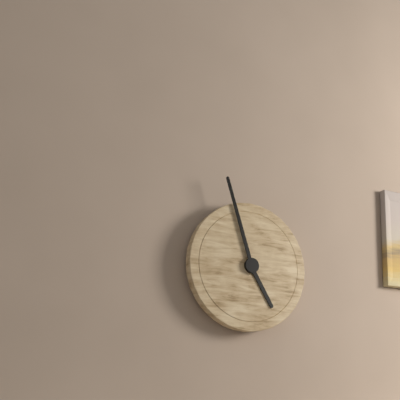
4:57
